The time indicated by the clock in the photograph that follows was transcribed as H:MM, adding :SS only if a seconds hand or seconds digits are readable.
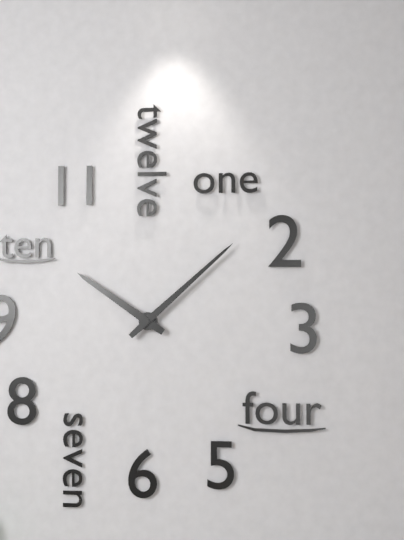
10:08
